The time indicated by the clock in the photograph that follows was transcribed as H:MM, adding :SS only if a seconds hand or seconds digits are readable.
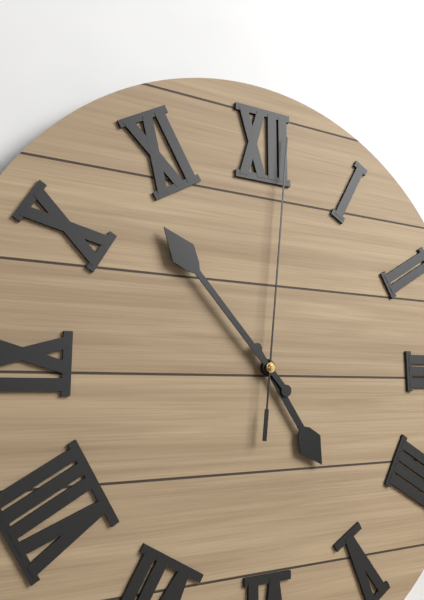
4:53:01
